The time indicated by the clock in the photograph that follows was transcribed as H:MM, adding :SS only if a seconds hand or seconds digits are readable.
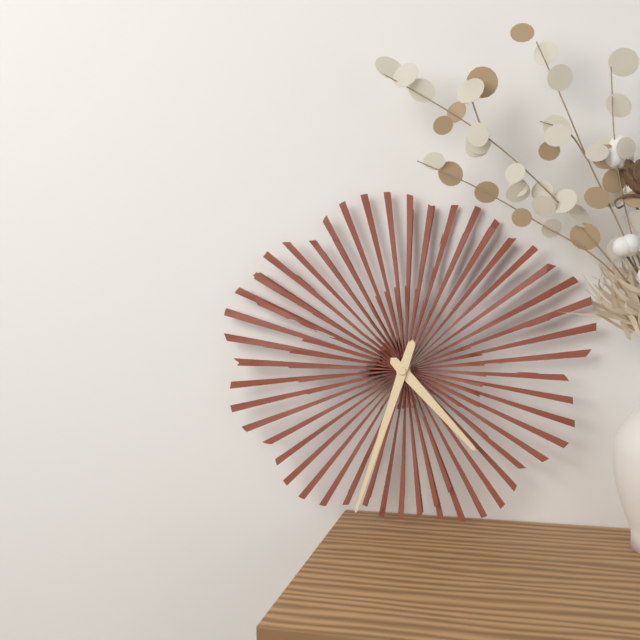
4:33
